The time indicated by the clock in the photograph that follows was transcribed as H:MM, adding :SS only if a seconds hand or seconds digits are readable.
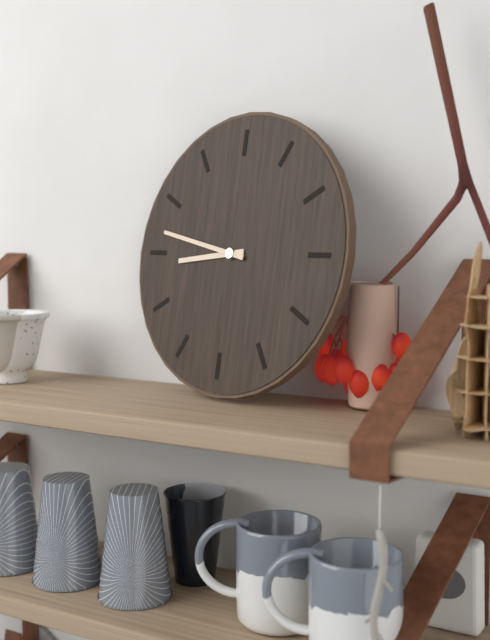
8:47
